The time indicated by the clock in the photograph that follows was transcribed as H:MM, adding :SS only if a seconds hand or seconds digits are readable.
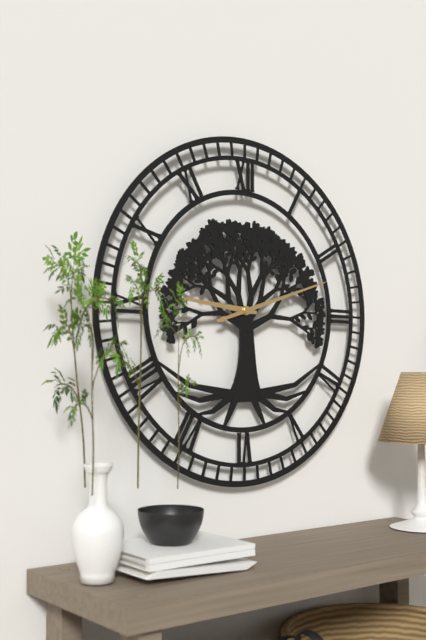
9:12
